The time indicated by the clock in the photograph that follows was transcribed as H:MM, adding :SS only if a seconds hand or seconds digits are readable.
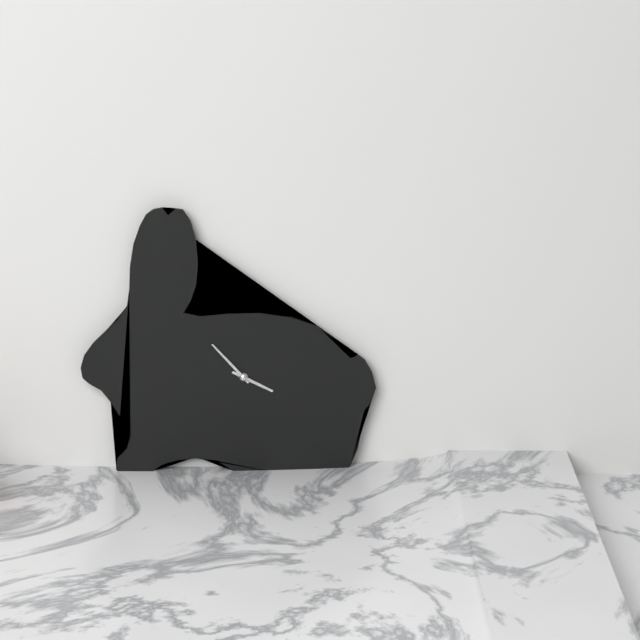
3:53
